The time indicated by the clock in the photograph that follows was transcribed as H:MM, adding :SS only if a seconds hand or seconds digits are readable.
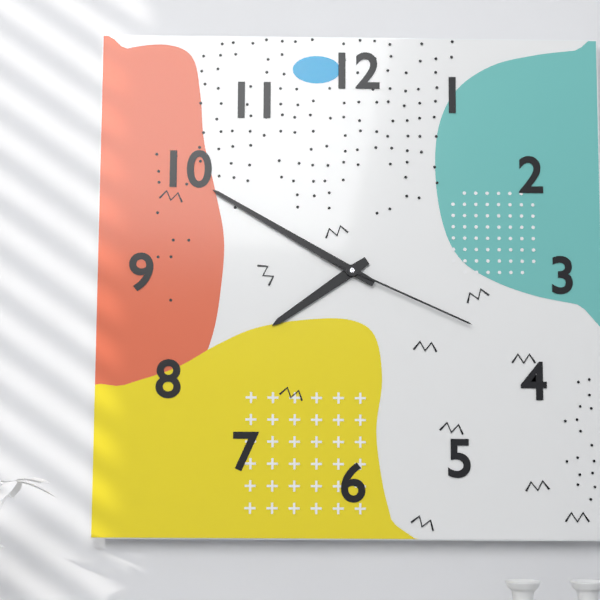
7:50:19
